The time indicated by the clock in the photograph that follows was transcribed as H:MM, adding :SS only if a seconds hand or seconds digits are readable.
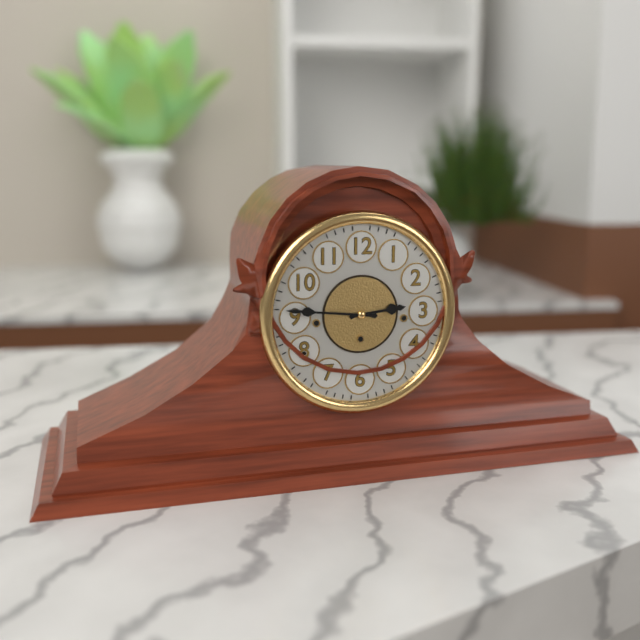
2:46
